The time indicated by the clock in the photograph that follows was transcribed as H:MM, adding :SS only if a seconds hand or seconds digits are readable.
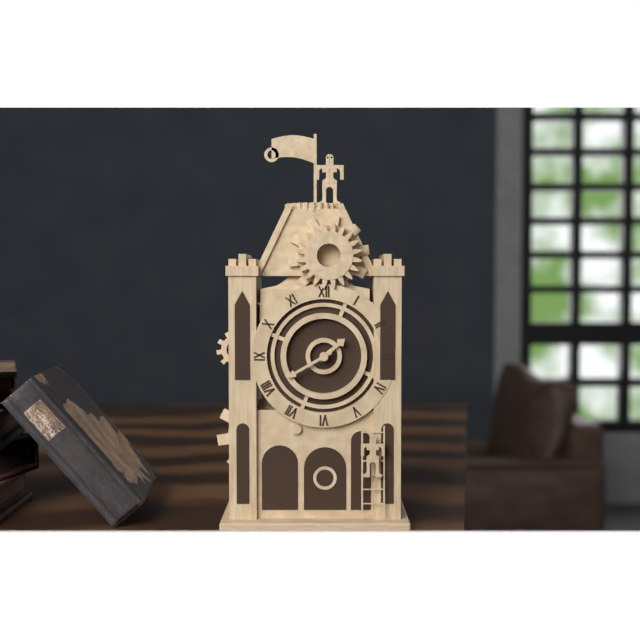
1:40
